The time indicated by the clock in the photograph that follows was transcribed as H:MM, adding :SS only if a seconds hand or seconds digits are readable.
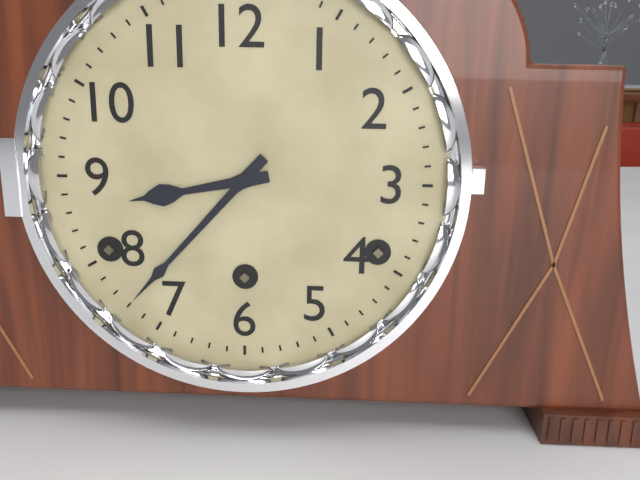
8:37
